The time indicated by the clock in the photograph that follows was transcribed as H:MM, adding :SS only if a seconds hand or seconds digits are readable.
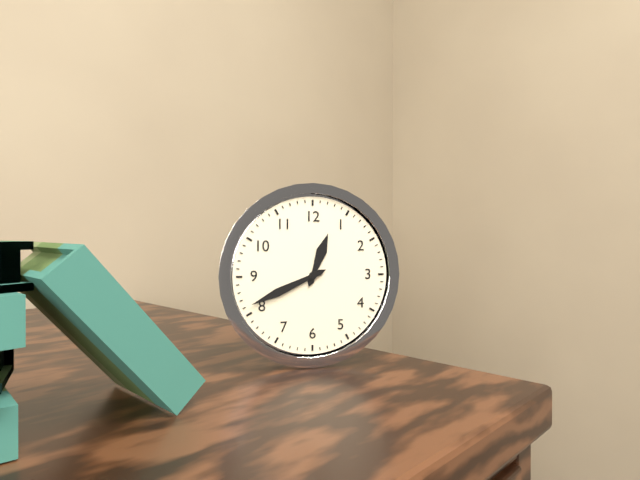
12:41
